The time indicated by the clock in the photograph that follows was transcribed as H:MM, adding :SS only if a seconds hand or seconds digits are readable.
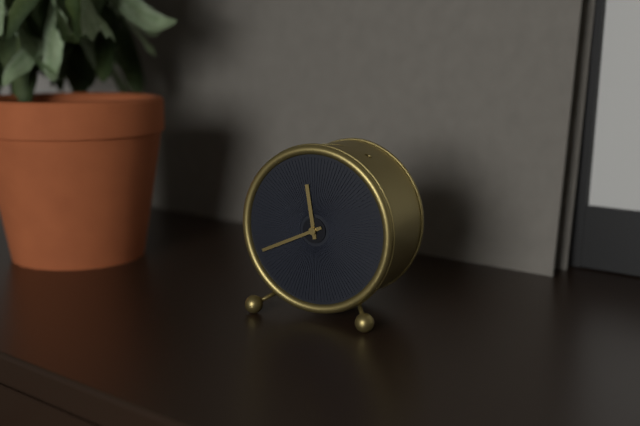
11:41
